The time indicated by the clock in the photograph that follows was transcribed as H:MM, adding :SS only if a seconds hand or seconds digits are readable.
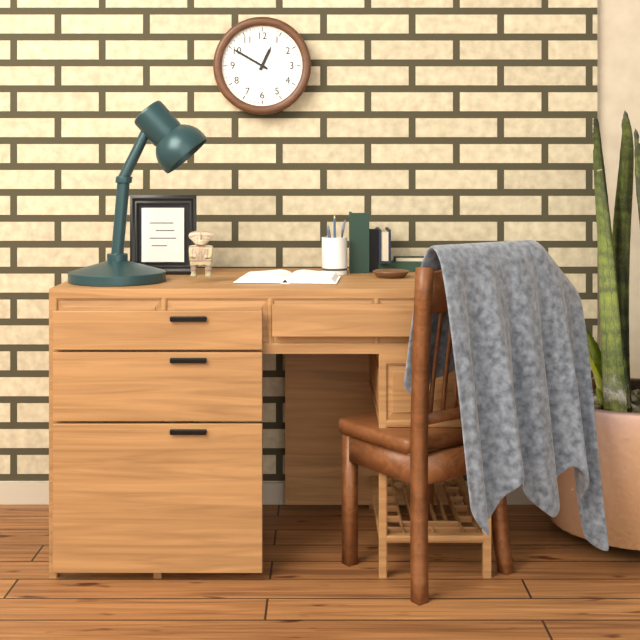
12:50
